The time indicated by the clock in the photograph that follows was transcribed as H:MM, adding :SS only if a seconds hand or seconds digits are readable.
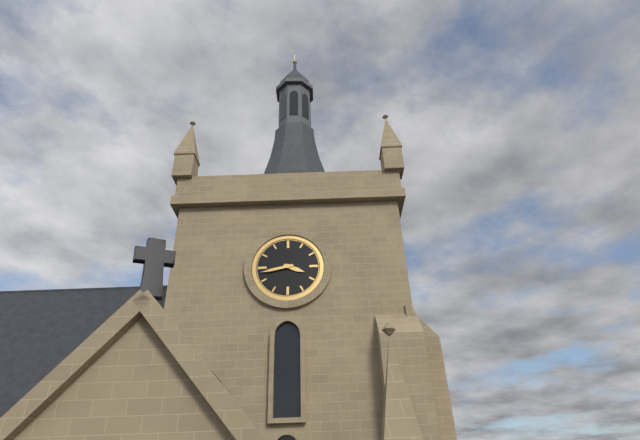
3:43
